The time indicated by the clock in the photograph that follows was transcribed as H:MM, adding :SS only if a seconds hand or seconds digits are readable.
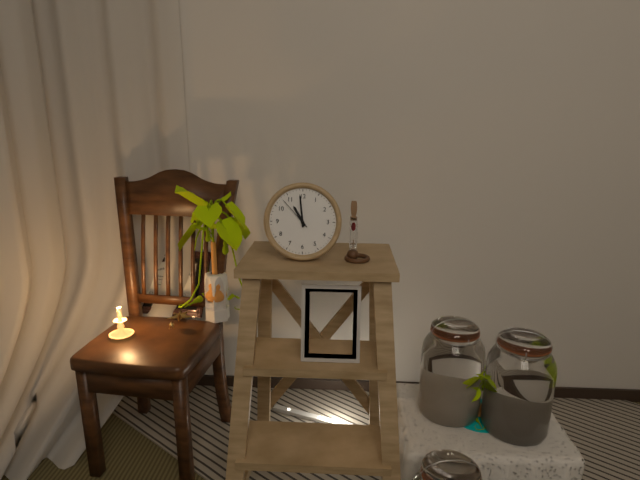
10:59
